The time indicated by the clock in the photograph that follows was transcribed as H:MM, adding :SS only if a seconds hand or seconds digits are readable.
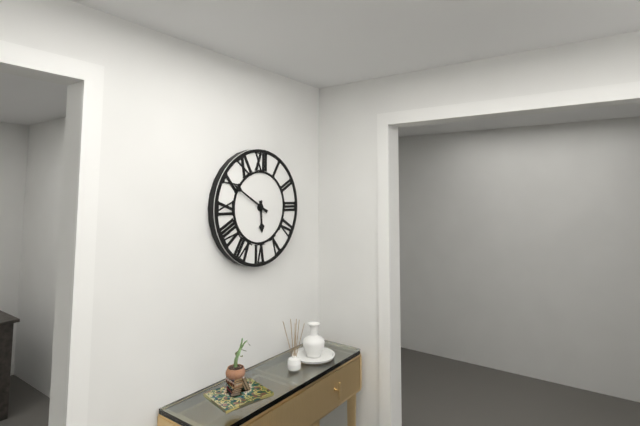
5:50
